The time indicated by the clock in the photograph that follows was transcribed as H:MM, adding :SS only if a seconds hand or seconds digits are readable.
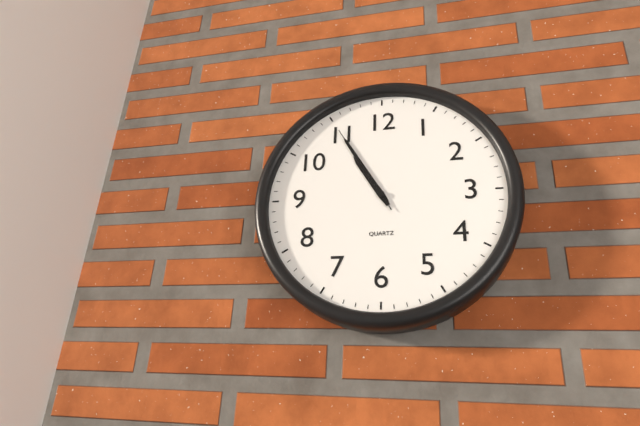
10:55:55
